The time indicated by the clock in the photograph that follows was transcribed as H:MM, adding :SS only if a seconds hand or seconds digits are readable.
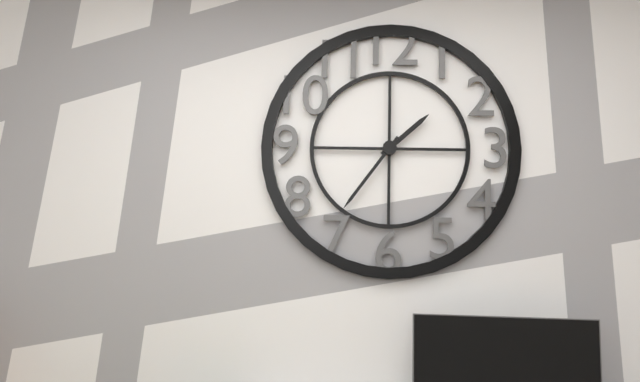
1:36
